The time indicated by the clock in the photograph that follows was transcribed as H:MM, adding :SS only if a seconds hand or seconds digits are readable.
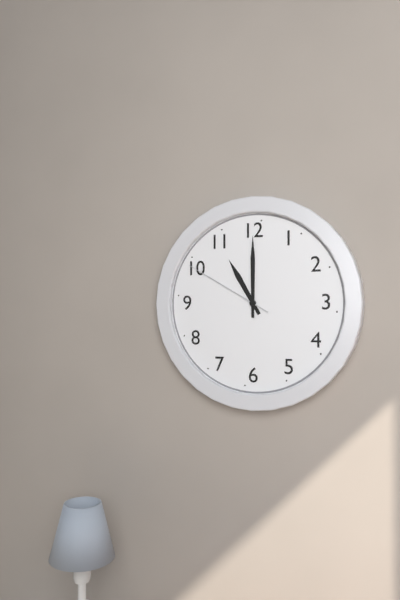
11:00:50
